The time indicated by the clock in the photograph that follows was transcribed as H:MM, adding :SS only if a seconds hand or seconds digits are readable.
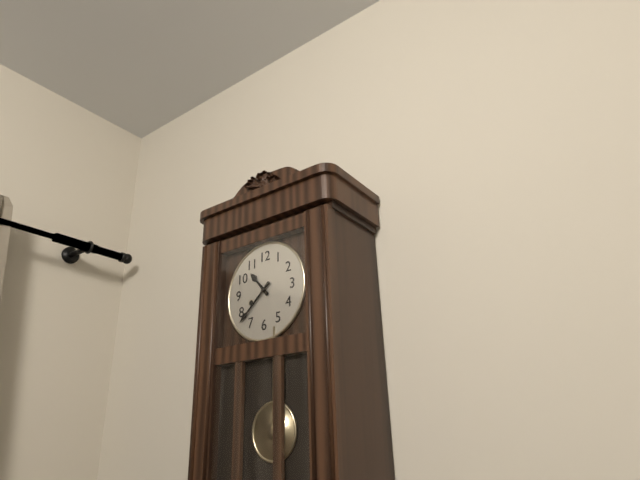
10:38
